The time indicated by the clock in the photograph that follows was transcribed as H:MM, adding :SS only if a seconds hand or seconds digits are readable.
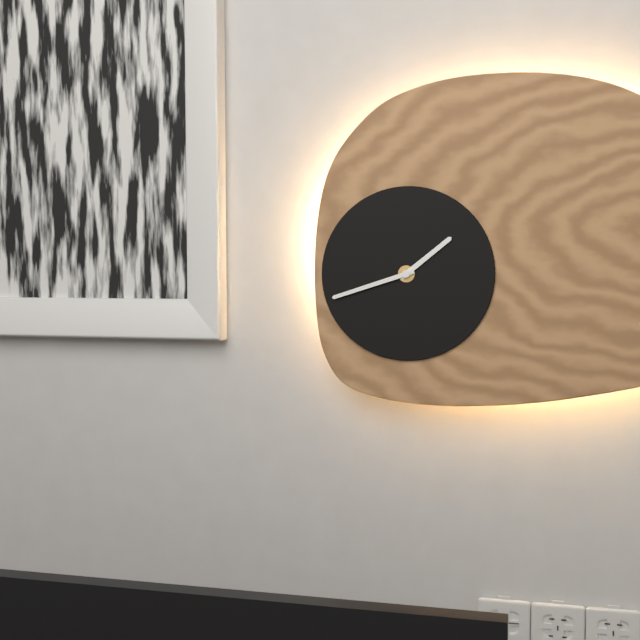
1:42
